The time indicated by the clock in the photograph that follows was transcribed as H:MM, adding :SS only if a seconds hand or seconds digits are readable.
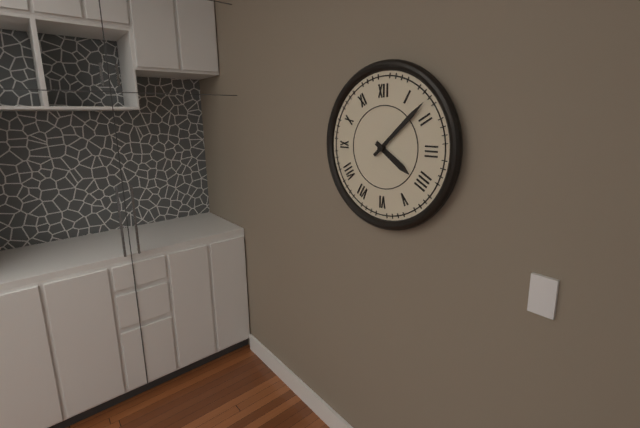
4:08
